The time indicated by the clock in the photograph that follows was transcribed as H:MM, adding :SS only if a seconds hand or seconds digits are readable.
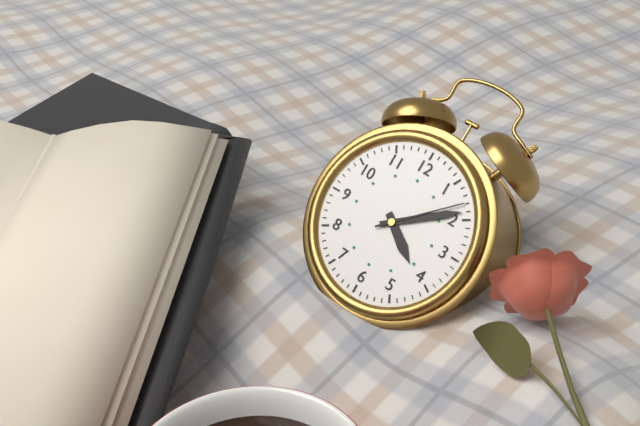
4:09:08
